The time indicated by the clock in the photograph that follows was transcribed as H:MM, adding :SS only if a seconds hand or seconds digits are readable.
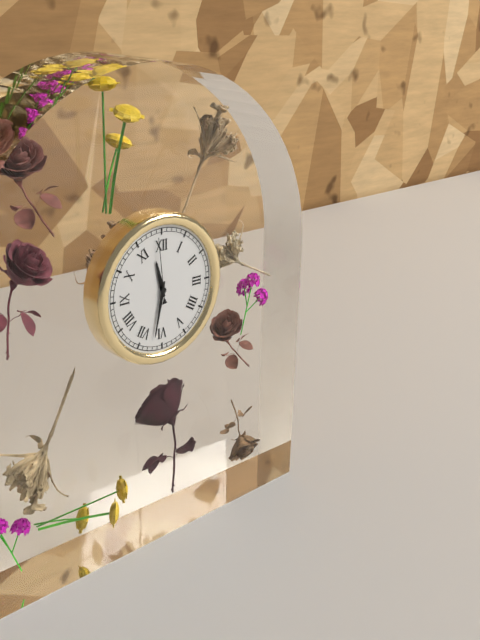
11:32:59
